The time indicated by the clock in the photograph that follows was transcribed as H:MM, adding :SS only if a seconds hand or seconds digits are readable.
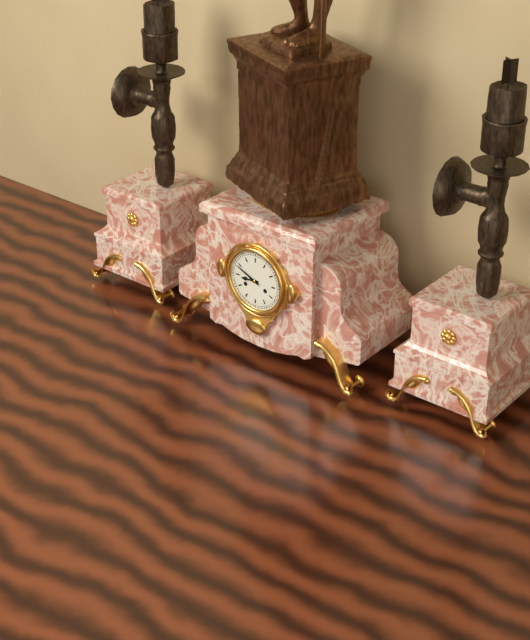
8:49
